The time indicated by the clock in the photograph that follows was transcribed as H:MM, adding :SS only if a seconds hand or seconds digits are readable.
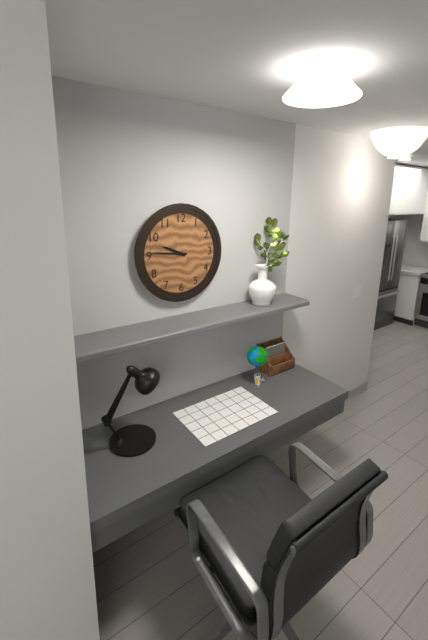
9:46
